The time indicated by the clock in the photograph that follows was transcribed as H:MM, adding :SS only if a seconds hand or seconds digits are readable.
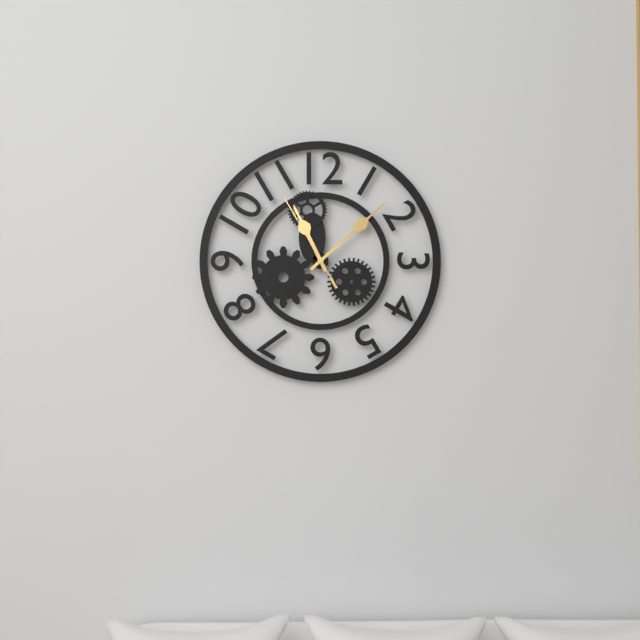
11:08:55
